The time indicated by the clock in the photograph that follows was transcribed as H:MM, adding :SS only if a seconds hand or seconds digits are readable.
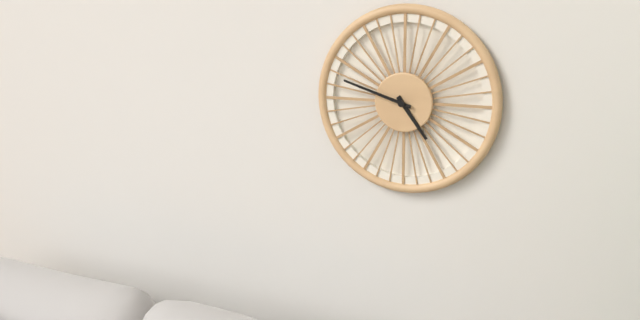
4:48
